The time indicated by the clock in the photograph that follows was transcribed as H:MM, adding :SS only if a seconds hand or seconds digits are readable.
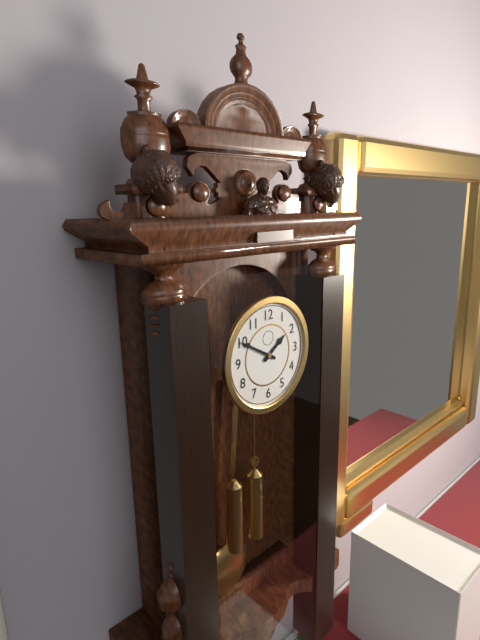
1:50
